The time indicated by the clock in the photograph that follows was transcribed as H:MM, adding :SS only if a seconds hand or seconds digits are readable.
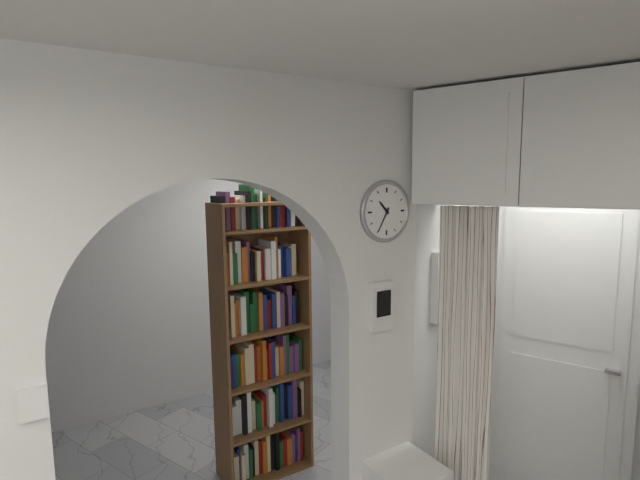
10:35
